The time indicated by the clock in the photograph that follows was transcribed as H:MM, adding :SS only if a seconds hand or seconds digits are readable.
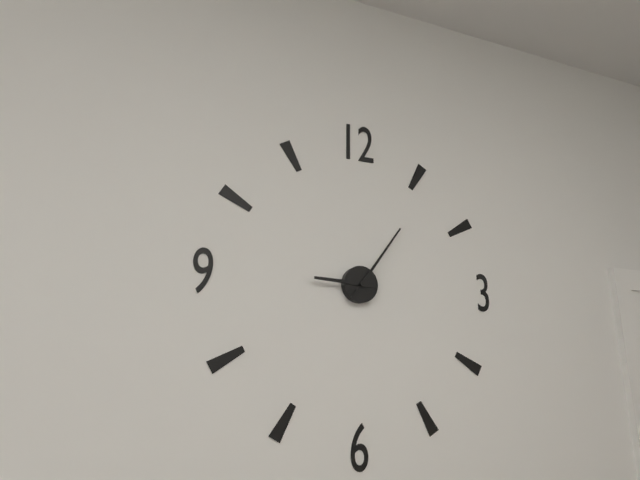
9:06
